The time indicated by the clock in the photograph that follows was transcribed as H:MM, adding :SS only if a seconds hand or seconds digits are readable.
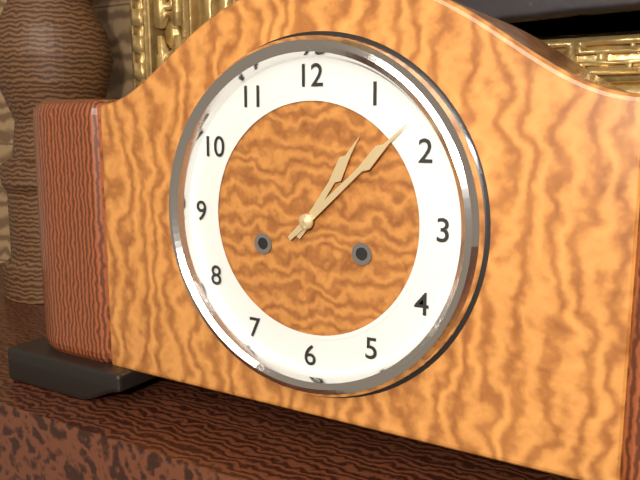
1:08
